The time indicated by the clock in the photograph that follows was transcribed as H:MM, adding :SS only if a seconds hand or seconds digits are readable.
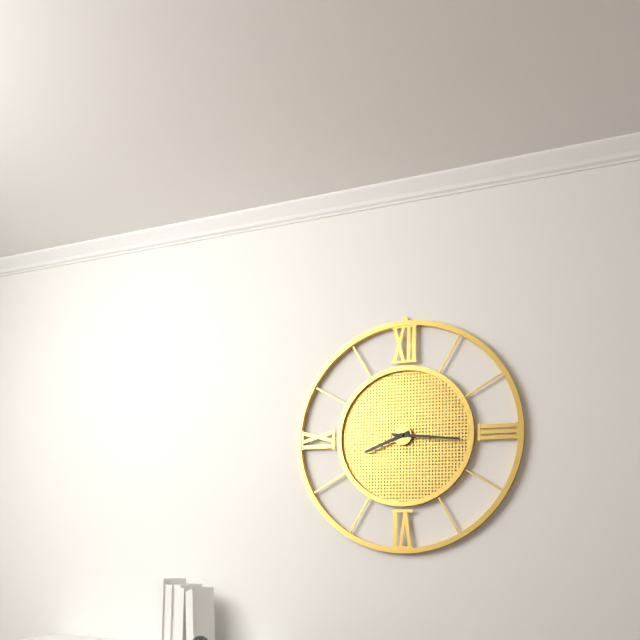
8:16
